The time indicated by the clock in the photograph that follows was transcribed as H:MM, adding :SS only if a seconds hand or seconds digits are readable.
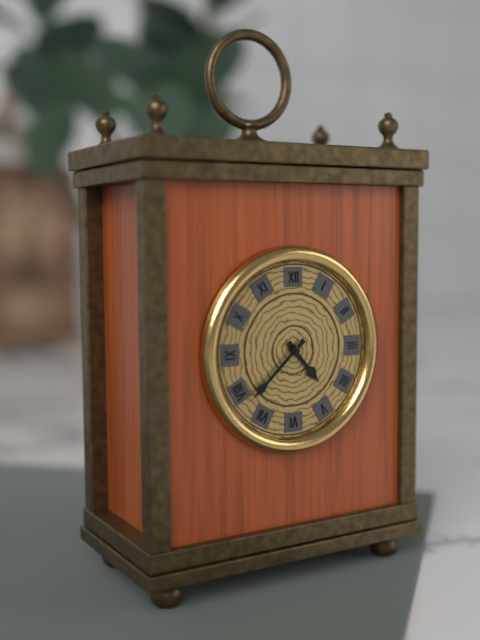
4:38
